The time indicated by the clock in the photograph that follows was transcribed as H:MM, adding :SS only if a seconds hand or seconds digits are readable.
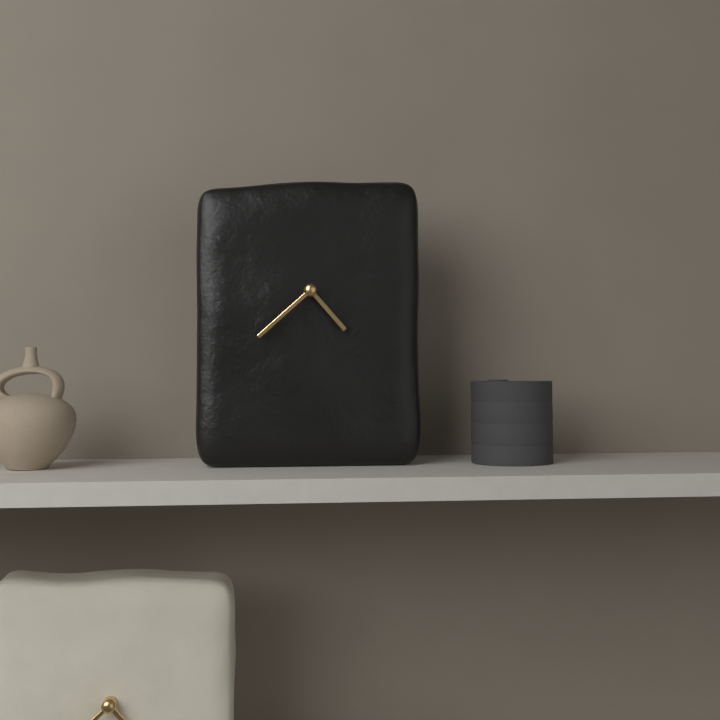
4:38
